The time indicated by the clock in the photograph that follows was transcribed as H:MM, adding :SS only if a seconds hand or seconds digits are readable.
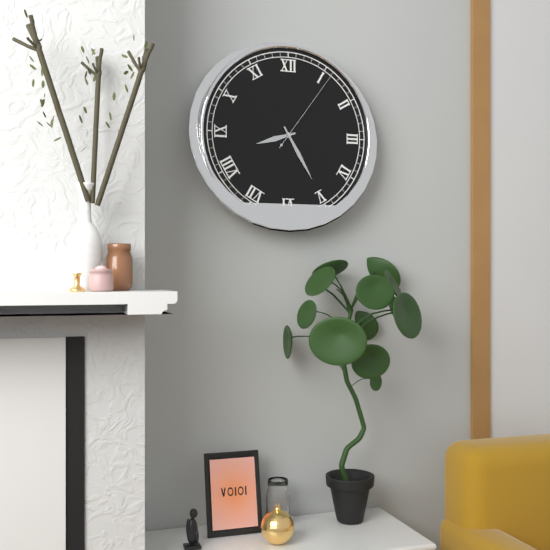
8:25:06
